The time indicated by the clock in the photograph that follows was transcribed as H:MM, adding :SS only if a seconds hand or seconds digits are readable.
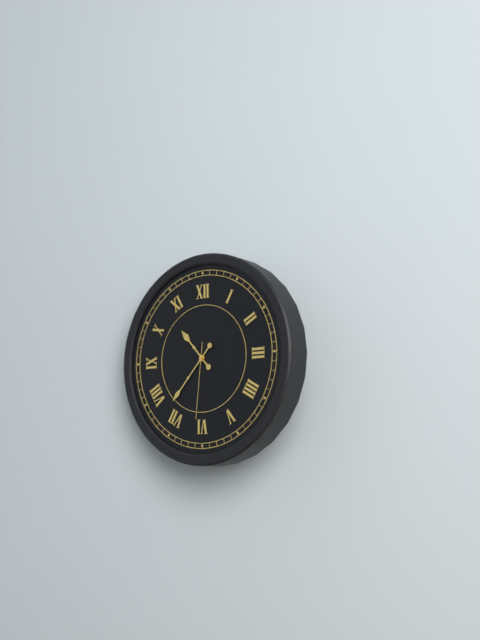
10:37:31
